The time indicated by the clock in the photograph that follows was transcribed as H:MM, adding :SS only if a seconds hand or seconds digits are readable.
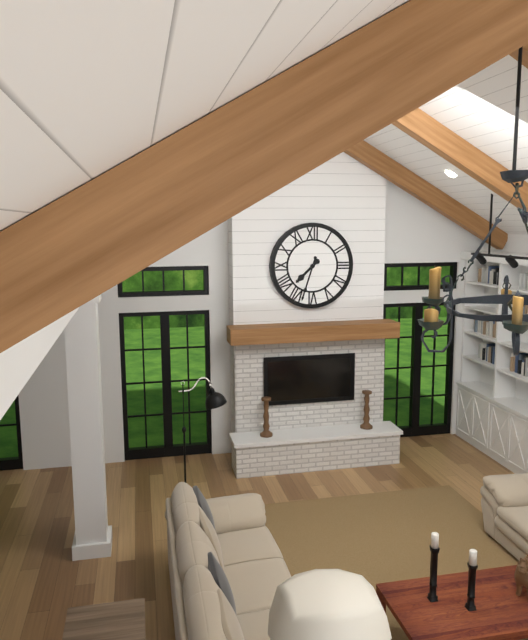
7:33
